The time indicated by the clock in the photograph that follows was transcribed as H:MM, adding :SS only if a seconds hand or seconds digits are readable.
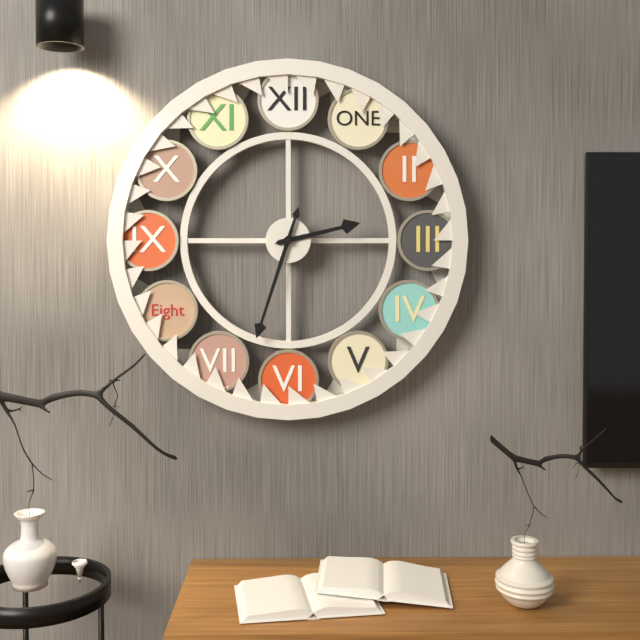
2:33
